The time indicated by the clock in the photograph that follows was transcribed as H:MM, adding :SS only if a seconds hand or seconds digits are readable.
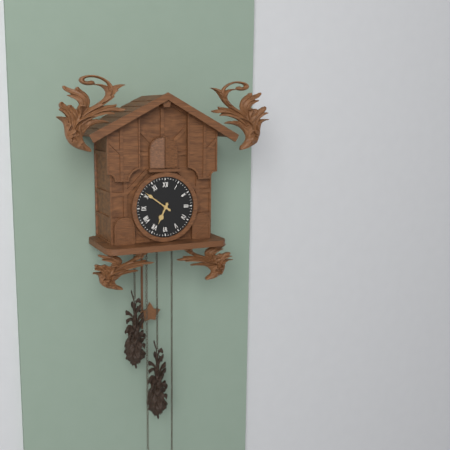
6:51
